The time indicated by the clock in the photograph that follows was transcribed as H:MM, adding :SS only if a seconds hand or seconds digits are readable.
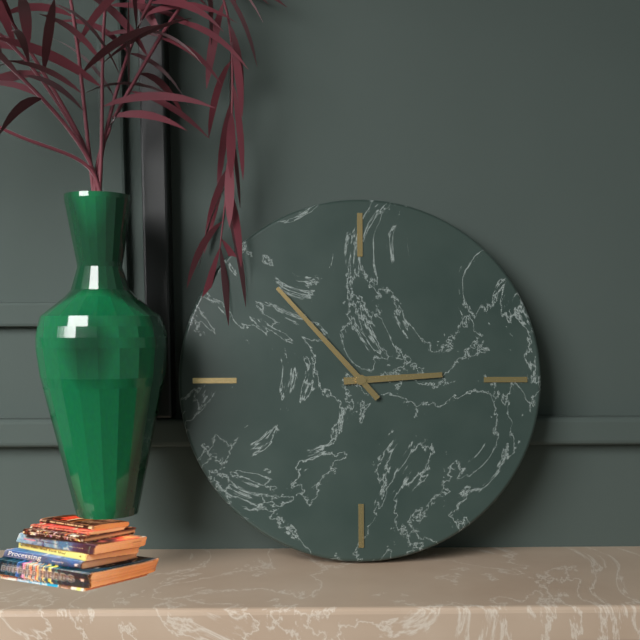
2:53
